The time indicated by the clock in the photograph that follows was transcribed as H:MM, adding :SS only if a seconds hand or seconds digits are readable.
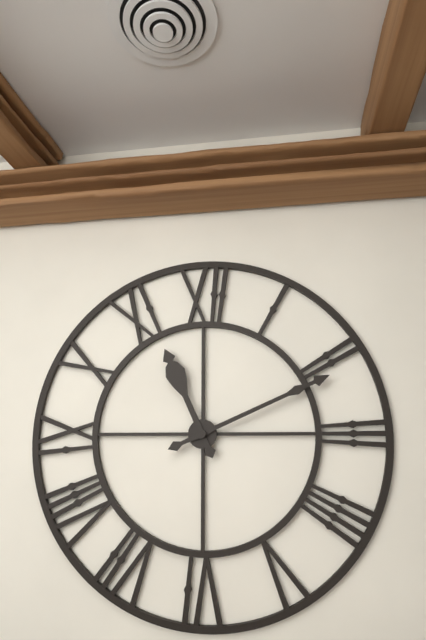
11:11
